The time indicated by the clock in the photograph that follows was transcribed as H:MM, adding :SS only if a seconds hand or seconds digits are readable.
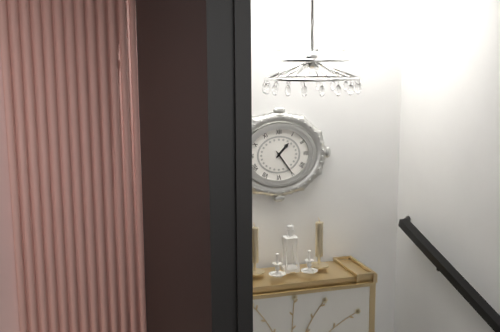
1:24
